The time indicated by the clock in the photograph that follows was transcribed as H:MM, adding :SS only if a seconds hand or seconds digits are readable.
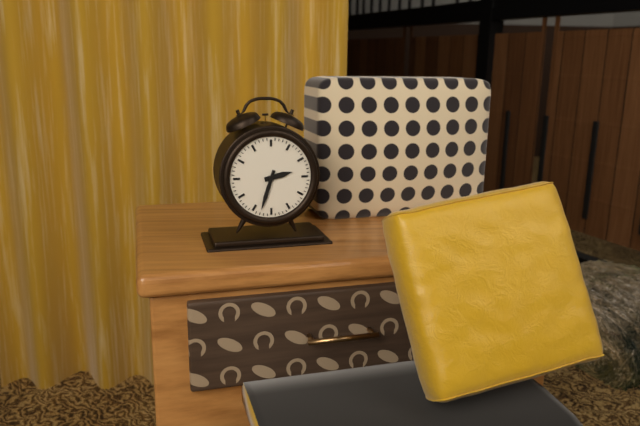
2:33
